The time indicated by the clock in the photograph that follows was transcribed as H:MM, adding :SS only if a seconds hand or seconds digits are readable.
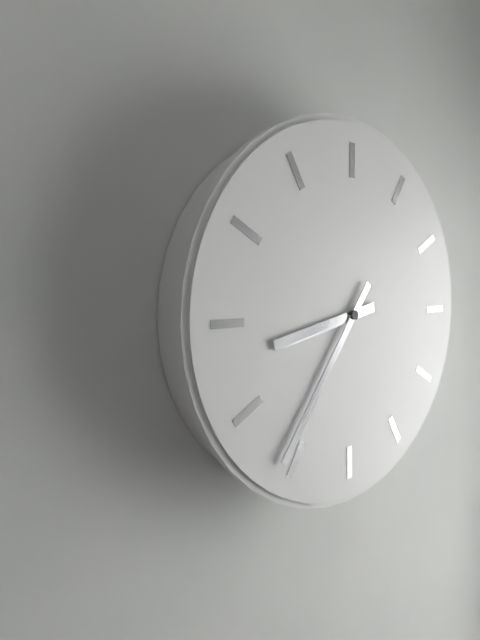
8:36
